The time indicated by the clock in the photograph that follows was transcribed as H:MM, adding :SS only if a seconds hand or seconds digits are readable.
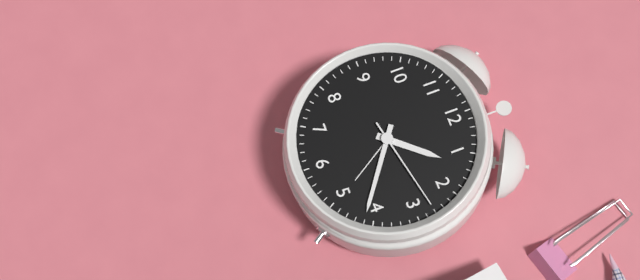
1:21:13
